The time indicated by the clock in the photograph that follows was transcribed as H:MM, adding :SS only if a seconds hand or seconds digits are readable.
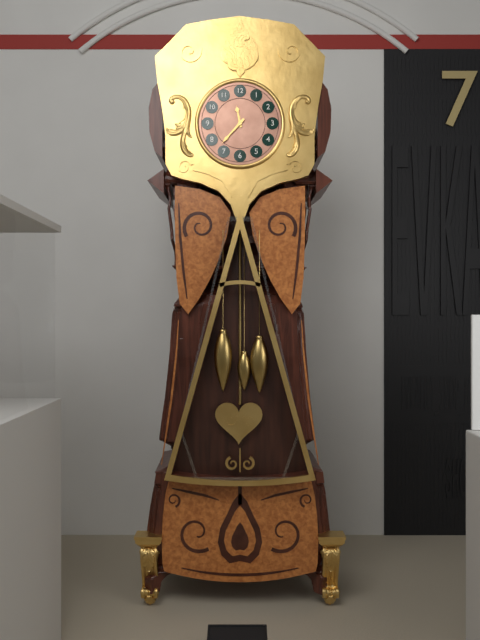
11:37
